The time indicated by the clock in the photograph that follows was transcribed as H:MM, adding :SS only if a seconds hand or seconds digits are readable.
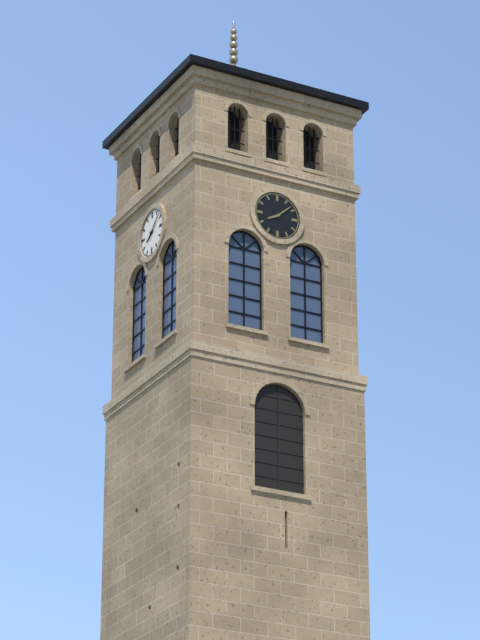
8:08
